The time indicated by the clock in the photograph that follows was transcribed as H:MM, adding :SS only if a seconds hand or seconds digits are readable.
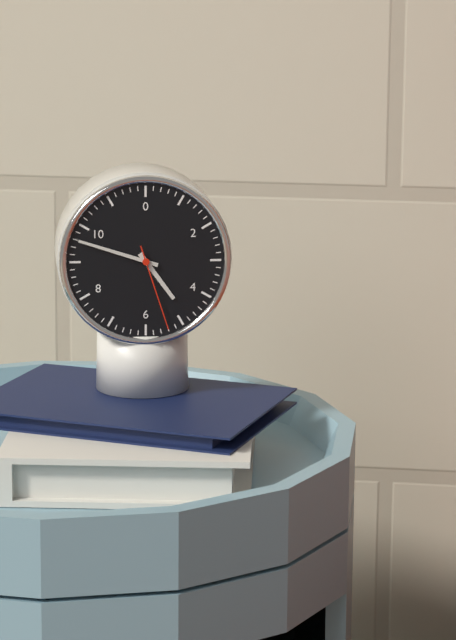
4:48:27
